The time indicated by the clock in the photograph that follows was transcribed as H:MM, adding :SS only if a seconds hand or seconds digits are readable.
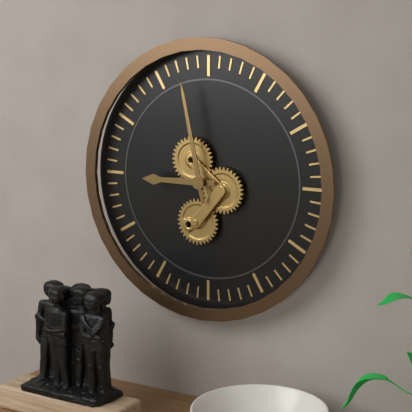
8:58
